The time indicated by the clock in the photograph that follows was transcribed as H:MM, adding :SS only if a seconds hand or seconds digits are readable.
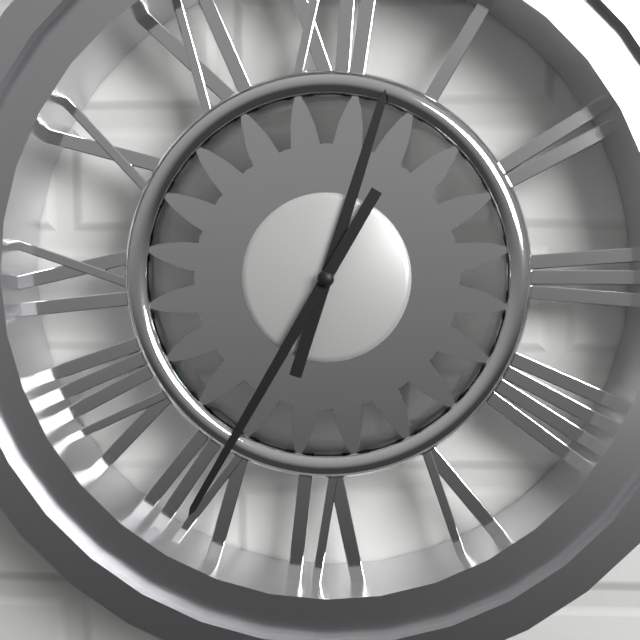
12:35
